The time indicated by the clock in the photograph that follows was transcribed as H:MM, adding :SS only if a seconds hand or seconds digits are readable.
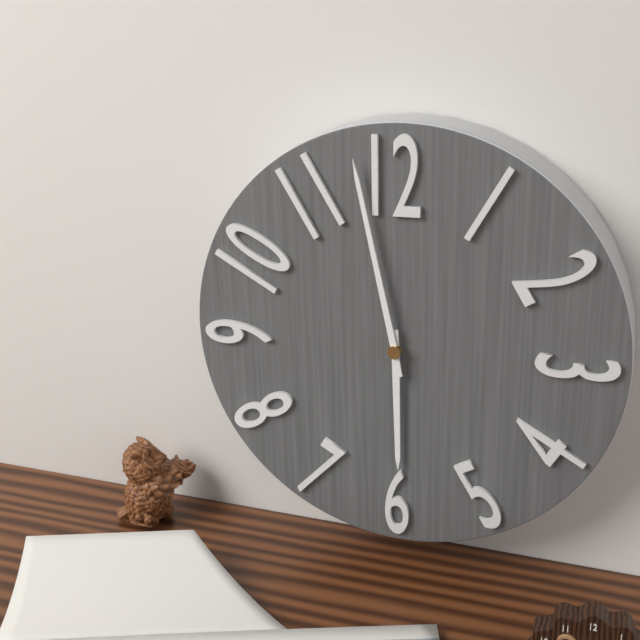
5:58
